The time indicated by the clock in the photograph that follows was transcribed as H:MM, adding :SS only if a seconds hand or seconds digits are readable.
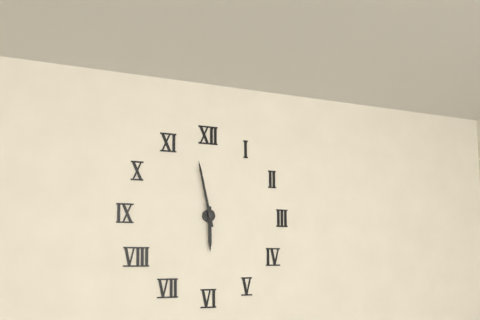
5:58
